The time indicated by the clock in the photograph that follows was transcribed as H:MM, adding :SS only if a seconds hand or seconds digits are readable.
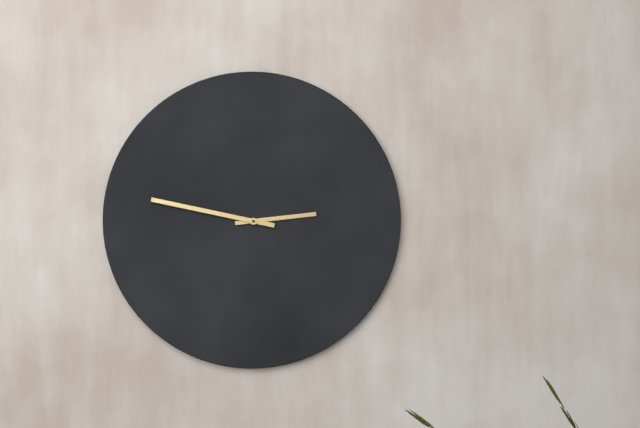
2:47
